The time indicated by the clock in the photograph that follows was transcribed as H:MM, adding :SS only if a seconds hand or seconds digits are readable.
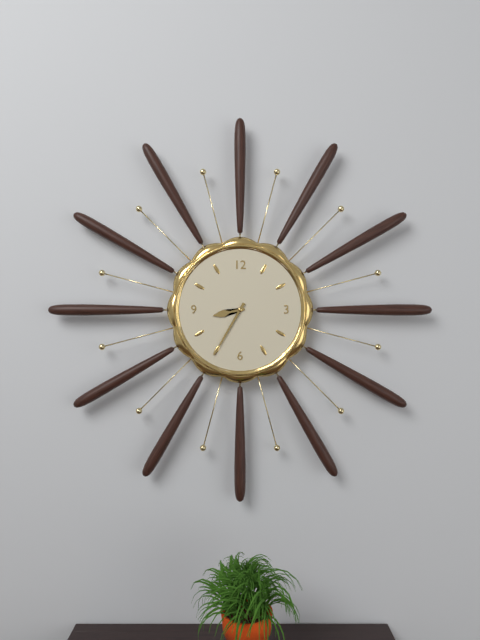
8:35
